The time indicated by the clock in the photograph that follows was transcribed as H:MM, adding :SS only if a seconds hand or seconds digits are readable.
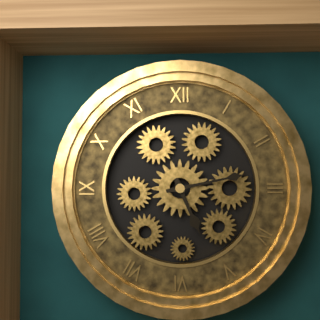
5:13
